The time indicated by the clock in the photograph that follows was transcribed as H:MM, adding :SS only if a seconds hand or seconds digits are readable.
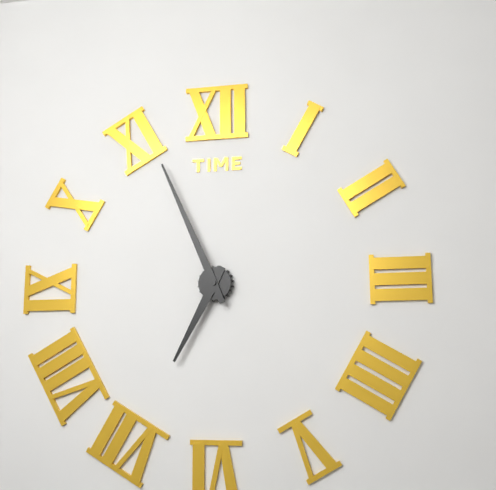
6:56
